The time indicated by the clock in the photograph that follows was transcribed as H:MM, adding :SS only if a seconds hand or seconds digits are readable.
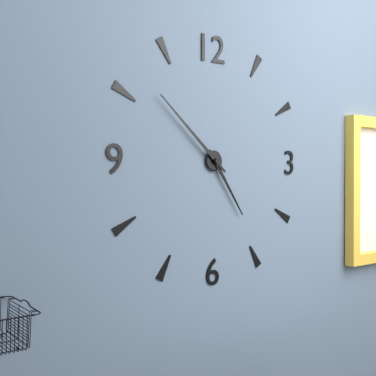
4:52
